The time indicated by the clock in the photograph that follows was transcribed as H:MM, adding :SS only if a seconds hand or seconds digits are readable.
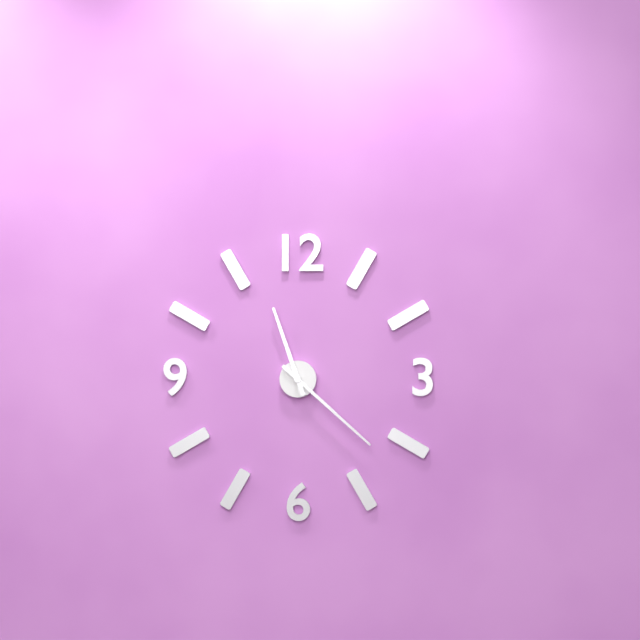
11:22
